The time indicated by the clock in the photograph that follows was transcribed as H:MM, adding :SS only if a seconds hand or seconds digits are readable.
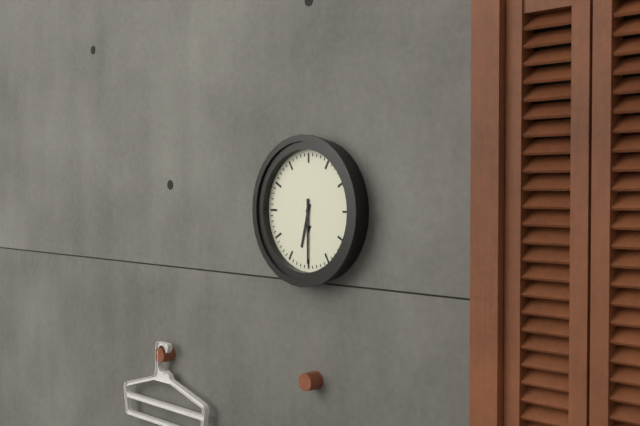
6:30
